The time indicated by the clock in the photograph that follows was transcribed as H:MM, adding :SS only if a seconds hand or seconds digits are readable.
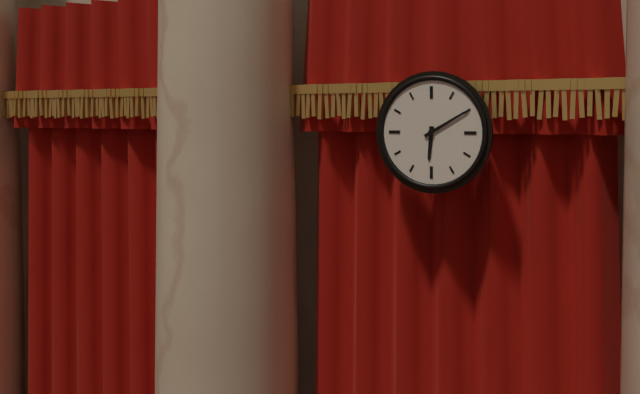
6:10
